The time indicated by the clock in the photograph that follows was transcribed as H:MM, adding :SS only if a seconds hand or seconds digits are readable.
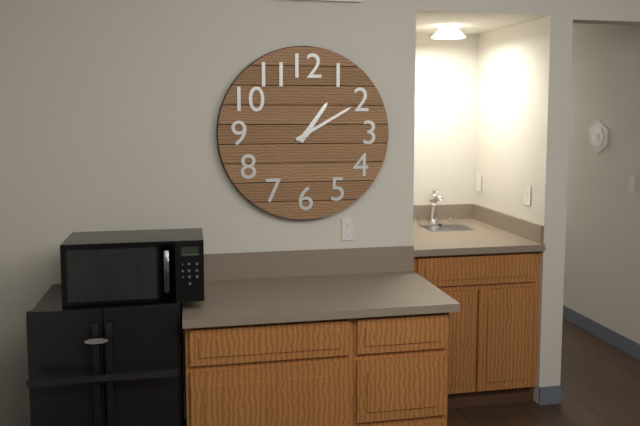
1:10
